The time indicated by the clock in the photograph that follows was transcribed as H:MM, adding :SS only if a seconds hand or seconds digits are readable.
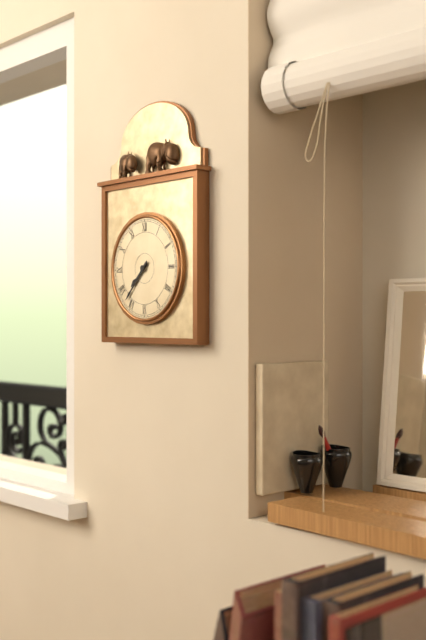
7:37
